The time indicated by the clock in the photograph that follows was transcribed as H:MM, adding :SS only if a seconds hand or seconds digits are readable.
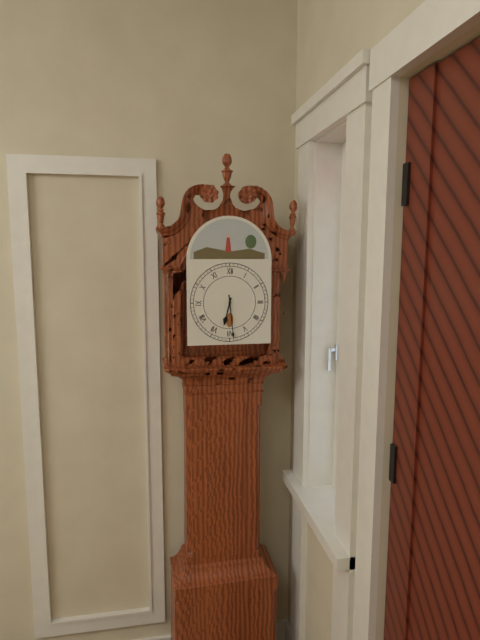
6:29
